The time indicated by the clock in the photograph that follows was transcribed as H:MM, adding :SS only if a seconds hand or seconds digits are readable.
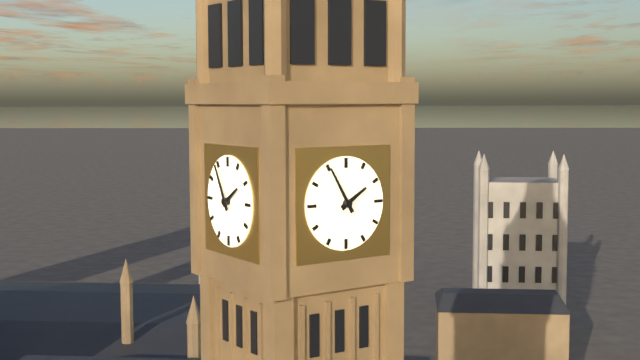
1:55
